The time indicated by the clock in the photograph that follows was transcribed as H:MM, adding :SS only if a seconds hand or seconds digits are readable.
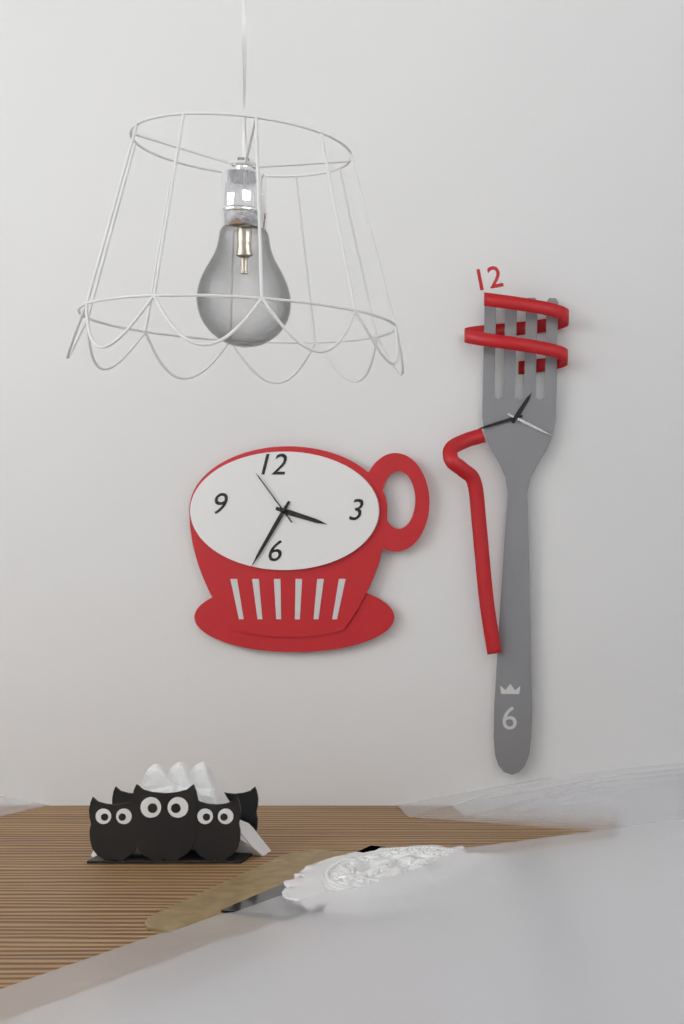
3:35:54
